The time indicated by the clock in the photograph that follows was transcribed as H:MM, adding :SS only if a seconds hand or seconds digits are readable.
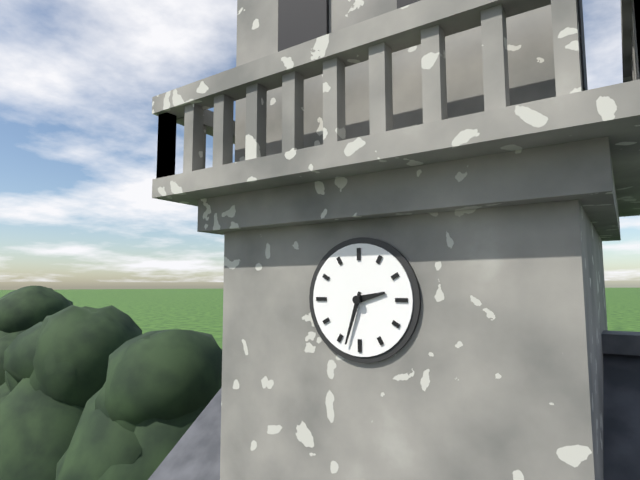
2:33
